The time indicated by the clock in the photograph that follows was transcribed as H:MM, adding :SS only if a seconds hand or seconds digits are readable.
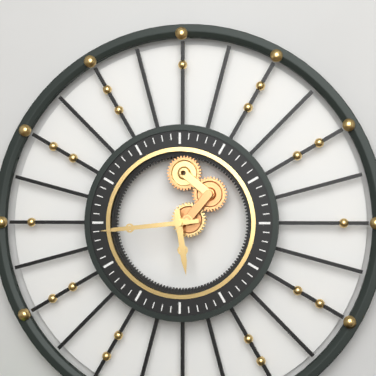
5:44
